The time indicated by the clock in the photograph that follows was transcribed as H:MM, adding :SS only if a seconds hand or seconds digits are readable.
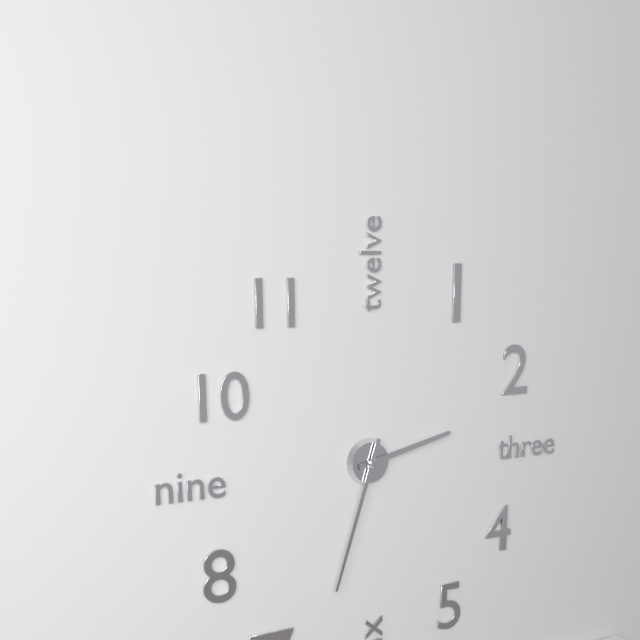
2:33
